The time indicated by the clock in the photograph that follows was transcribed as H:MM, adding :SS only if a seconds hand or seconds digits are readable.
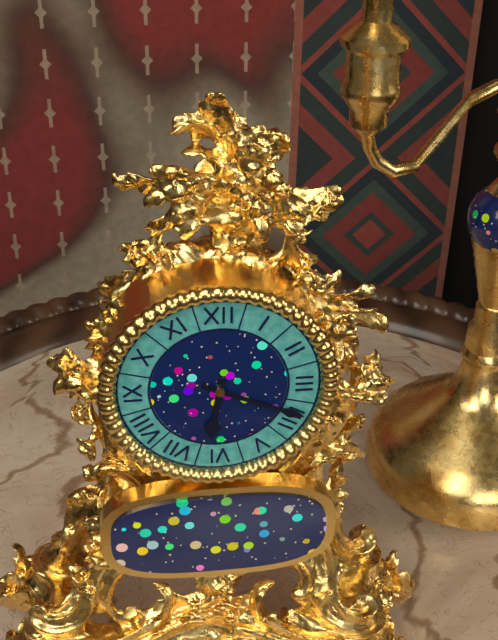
6:19
